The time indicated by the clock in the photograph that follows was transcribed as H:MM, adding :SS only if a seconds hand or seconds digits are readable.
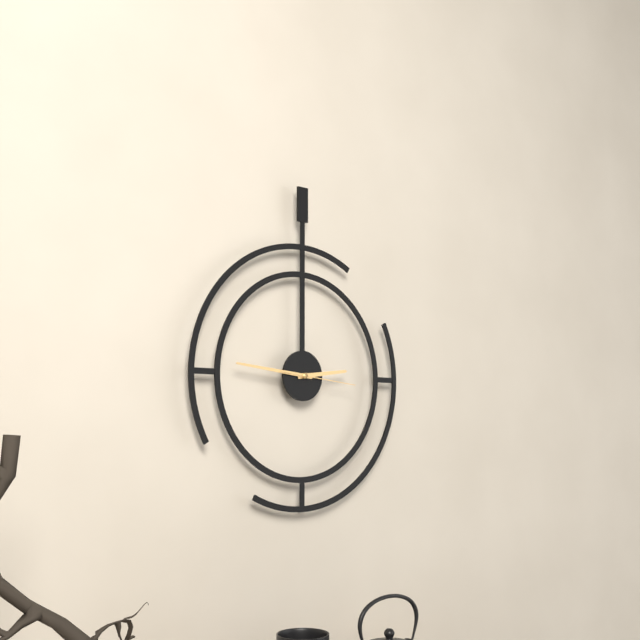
2:46:16
